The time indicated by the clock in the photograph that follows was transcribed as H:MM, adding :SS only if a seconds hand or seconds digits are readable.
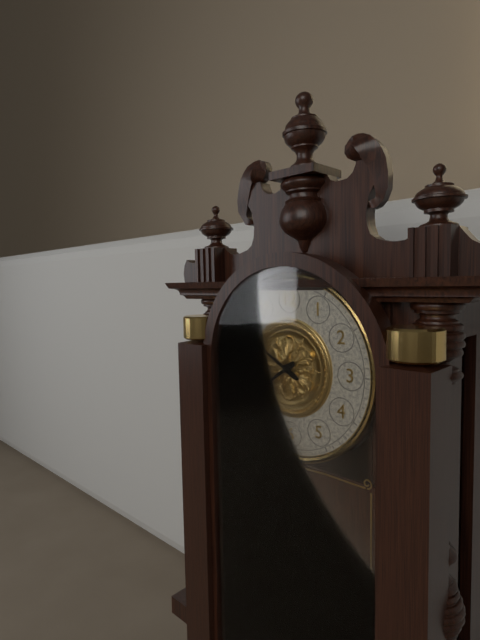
7:50
